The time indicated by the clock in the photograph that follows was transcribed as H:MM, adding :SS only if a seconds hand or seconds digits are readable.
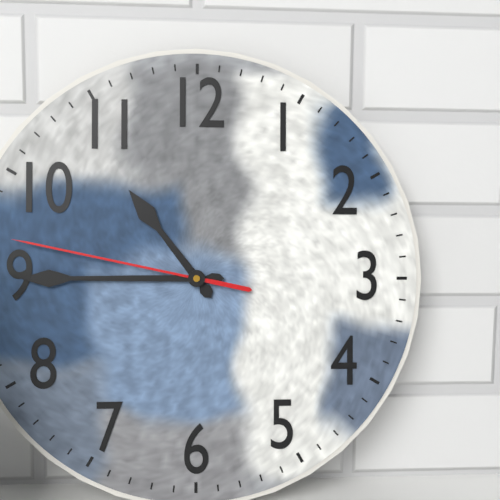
10:45:47
